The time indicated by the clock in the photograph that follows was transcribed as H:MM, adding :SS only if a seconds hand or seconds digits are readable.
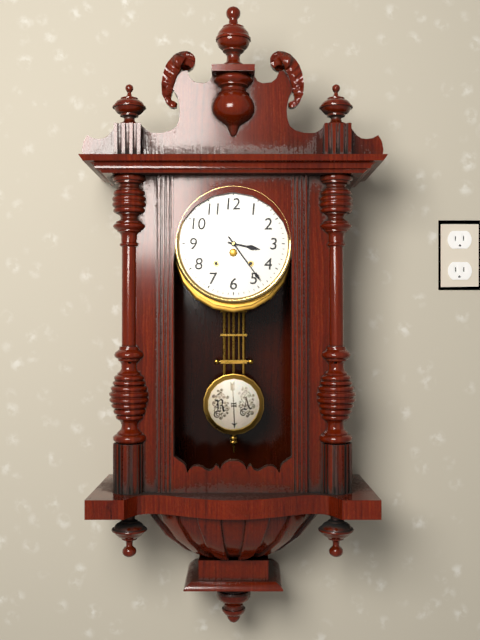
3:24
